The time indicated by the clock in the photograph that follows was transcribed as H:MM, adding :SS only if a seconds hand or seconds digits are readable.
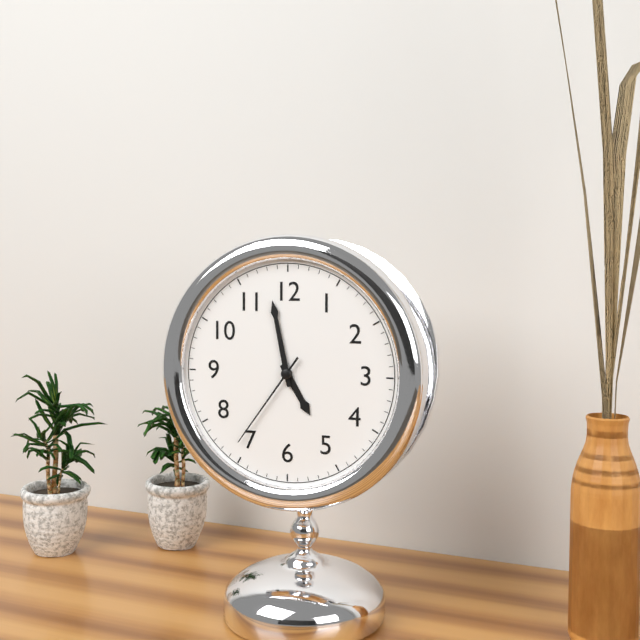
4:58:36
